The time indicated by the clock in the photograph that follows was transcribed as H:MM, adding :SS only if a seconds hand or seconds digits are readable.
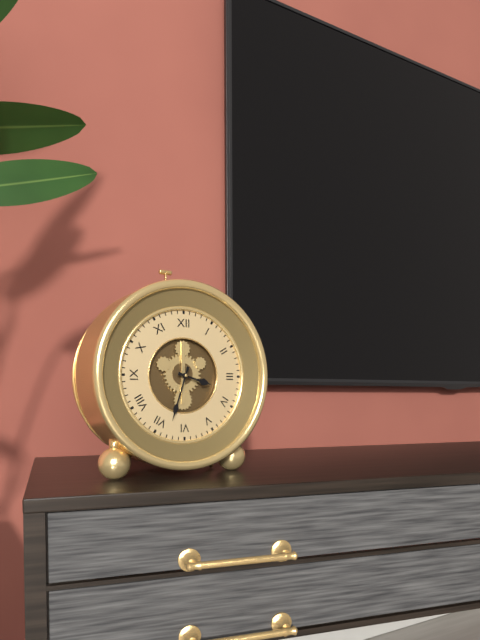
3:33
